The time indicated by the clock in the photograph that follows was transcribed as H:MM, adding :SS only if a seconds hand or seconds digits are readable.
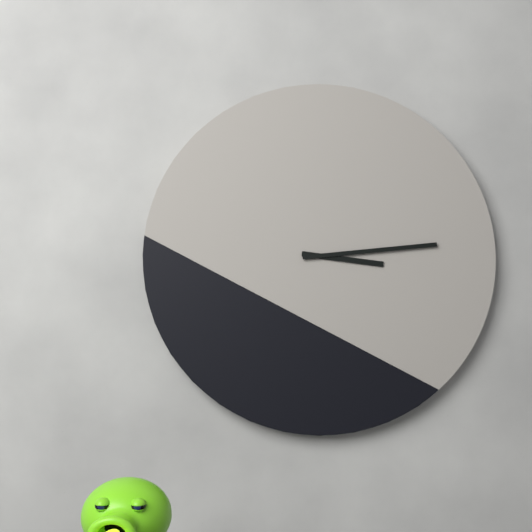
3:14
